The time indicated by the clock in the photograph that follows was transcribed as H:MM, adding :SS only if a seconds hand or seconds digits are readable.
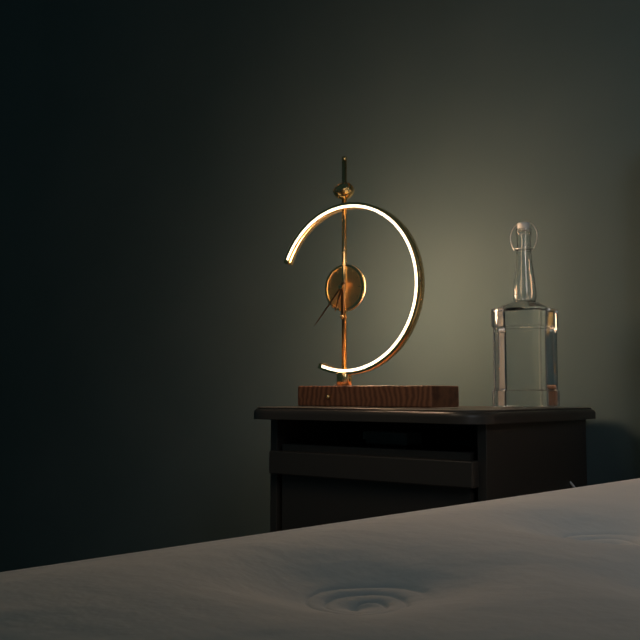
6:37
